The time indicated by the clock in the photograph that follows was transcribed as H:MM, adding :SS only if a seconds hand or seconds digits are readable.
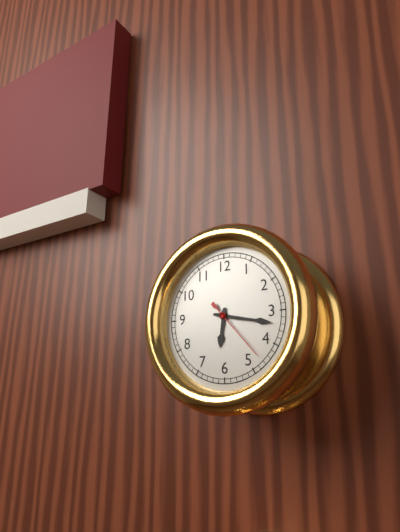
6:17:23
